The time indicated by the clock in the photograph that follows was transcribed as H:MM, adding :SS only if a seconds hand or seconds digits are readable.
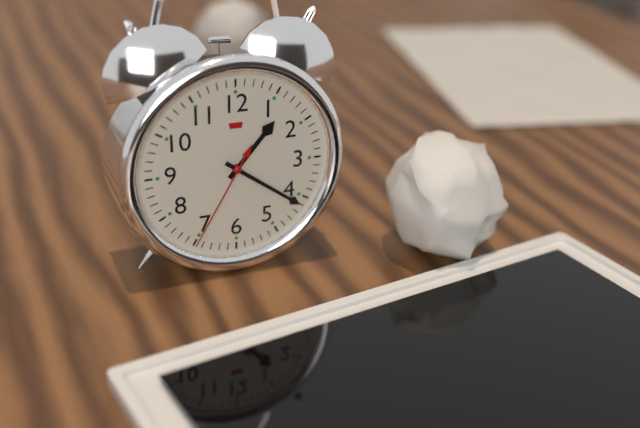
1:21:35
